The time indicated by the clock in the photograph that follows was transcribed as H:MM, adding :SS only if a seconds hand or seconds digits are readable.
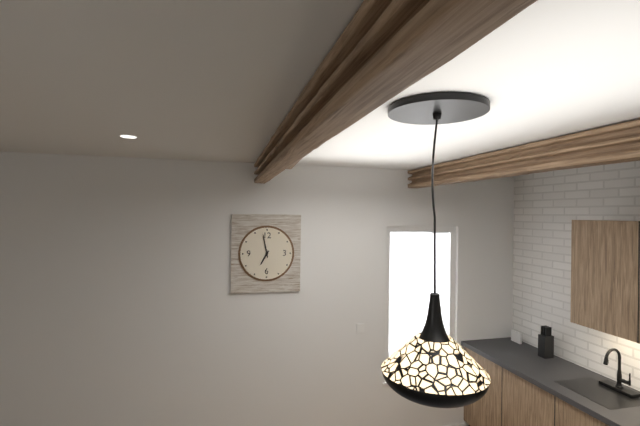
6:58
